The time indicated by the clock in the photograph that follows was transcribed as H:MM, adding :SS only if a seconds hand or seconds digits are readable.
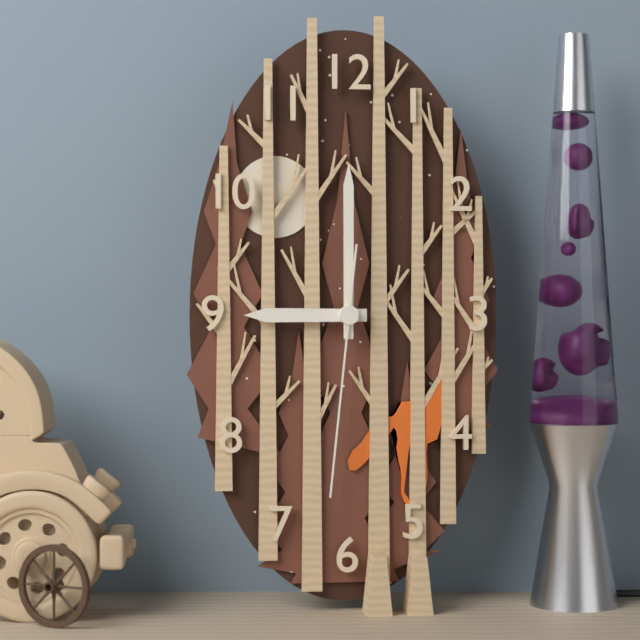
9:00:31
